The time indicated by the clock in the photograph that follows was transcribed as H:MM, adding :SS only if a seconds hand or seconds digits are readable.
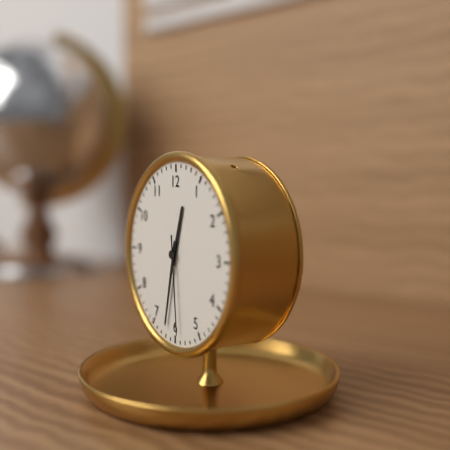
12:32:29
